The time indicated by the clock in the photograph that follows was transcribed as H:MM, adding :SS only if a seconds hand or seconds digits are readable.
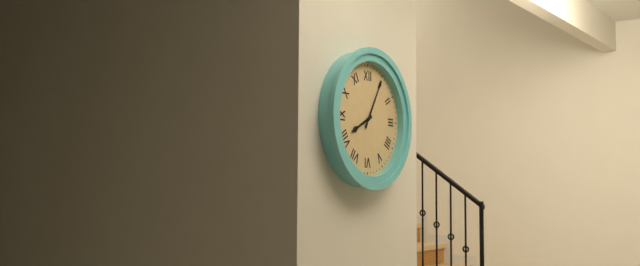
8:05
